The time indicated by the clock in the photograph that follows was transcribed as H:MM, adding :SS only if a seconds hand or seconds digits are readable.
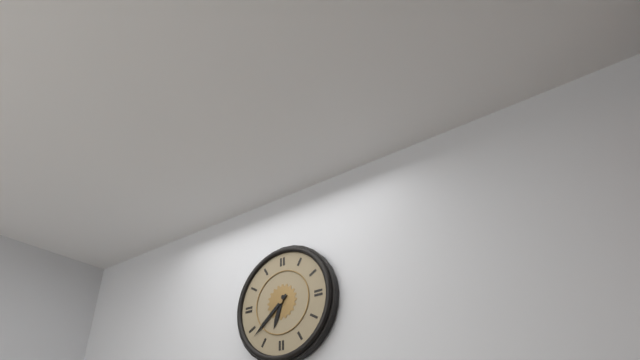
6:38
